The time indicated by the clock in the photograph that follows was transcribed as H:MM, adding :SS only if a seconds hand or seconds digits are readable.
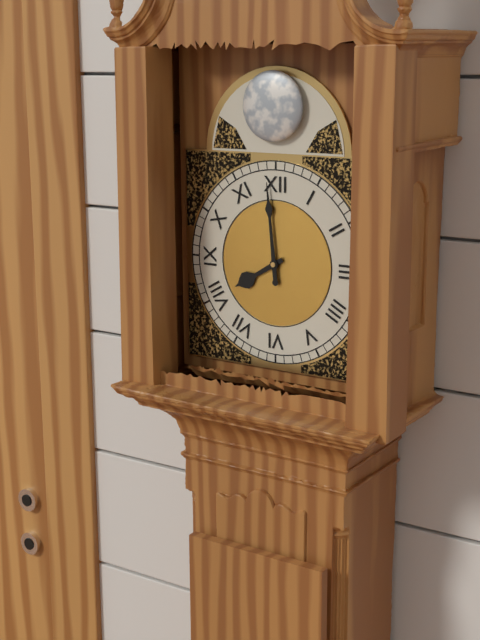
7:59
